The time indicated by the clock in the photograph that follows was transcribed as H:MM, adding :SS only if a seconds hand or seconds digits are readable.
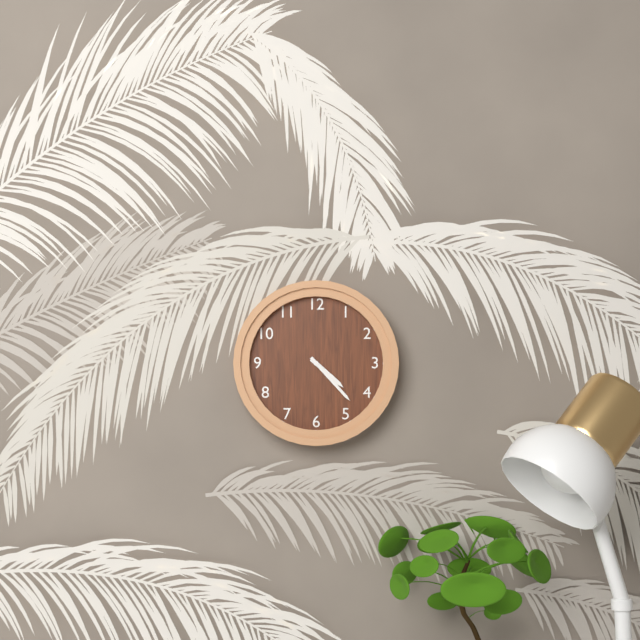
4:23
